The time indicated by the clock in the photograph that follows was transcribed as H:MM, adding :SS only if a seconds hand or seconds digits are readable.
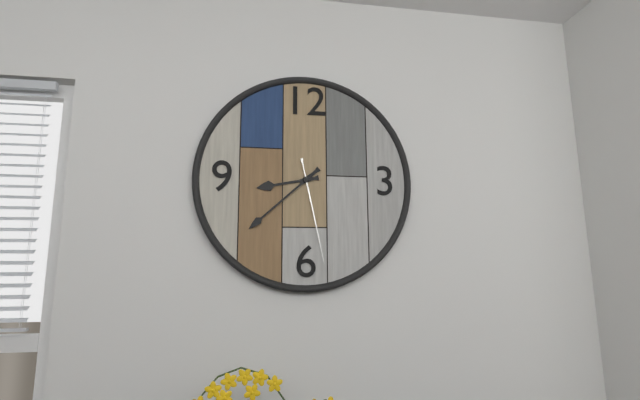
8:38:28
